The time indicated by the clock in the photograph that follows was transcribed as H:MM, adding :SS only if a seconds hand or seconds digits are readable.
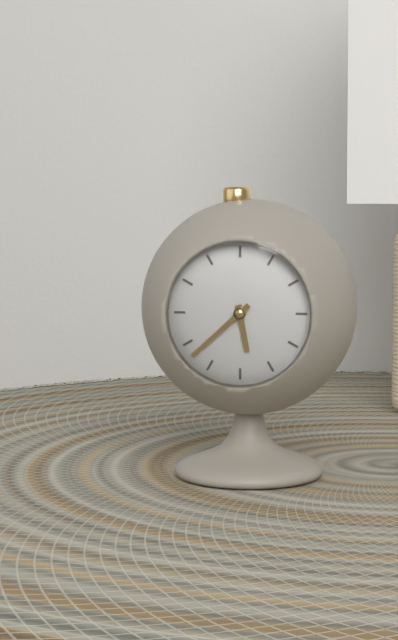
5:38
